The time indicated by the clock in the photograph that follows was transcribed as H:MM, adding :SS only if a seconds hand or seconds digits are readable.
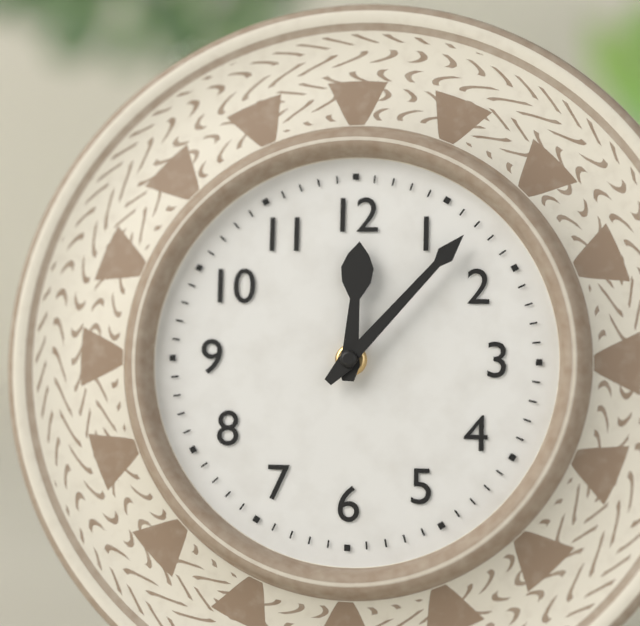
12:07
